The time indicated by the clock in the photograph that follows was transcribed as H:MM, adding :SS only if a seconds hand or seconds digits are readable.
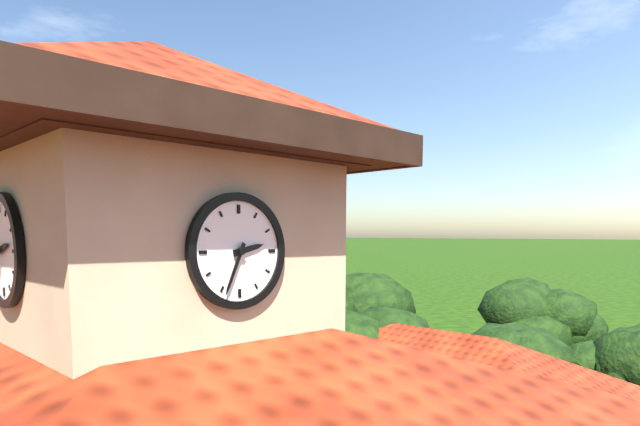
2:34
